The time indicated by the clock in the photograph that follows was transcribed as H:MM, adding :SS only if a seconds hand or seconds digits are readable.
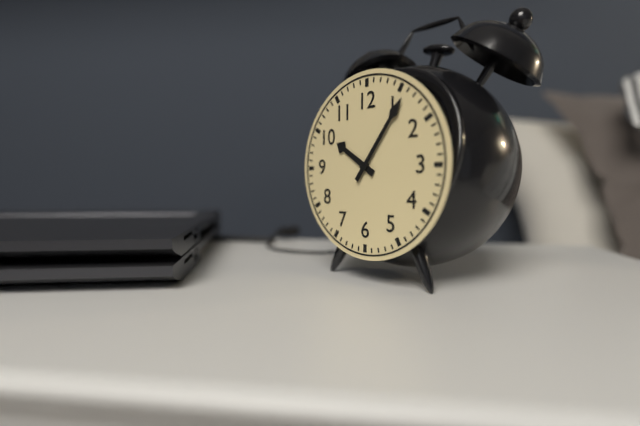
10:06
